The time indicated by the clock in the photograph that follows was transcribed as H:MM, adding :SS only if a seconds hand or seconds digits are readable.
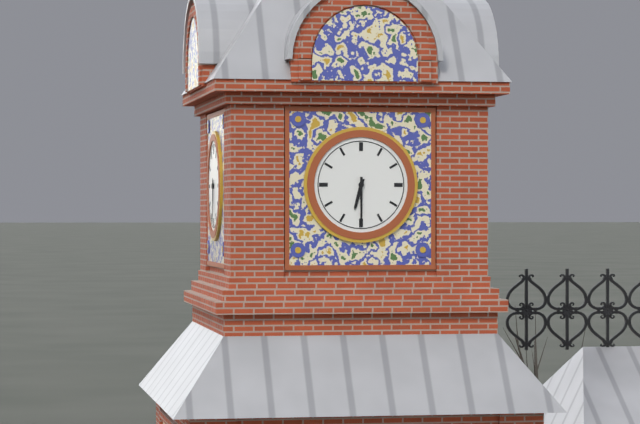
6:30
